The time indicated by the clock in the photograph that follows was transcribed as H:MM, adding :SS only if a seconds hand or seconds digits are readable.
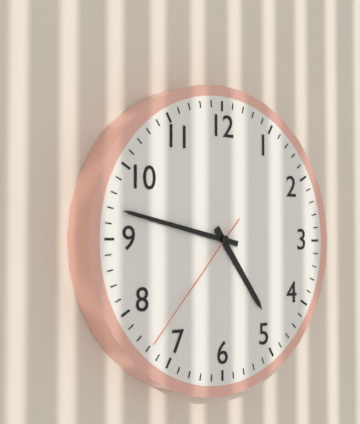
4:47:37
